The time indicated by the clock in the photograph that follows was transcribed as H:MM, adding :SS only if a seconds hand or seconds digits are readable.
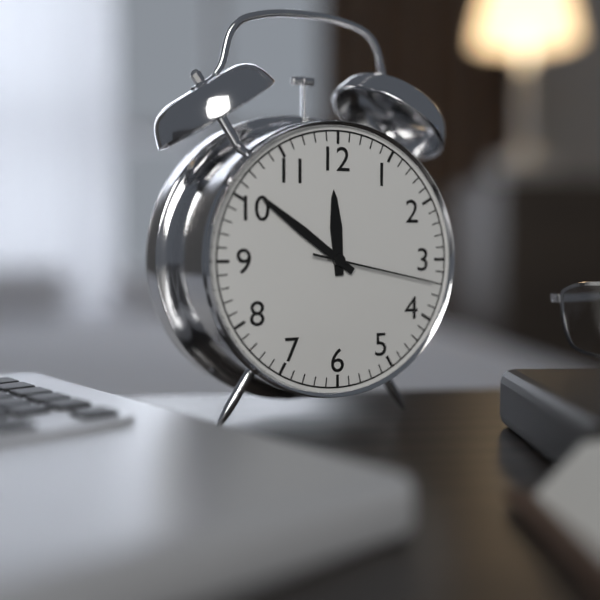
11:51:17
